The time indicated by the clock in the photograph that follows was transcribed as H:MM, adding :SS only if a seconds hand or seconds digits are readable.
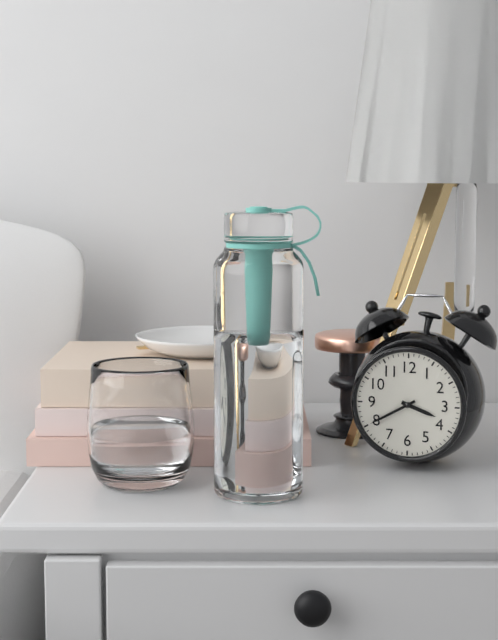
3:40
